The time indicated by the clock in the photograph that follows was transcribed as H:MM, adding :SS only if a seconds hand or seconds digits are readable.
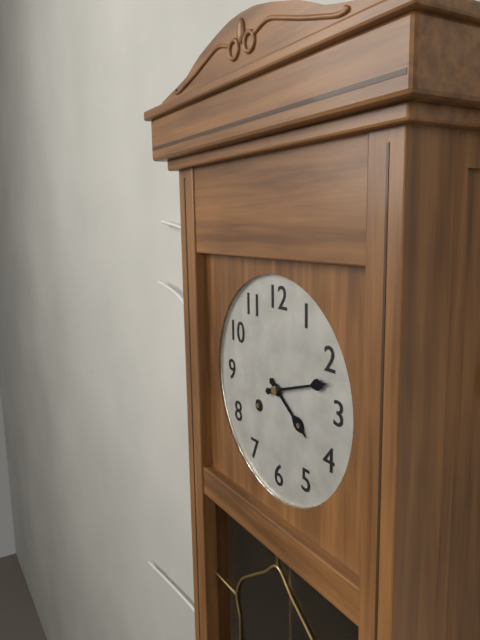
4:12
